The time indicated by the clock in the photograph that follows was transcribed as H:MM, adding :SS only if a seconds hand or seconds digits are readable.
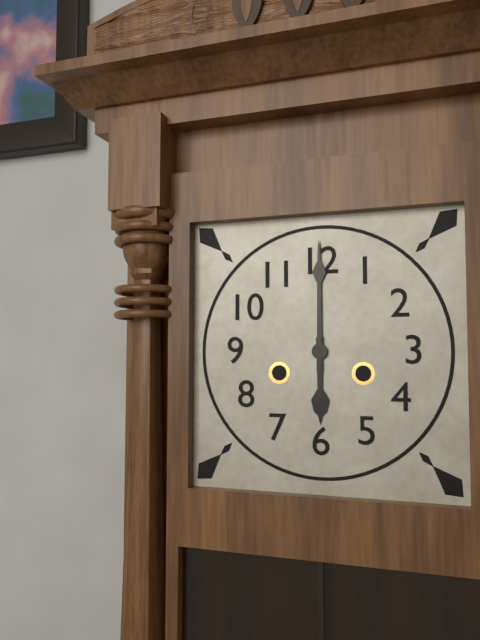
6:00
